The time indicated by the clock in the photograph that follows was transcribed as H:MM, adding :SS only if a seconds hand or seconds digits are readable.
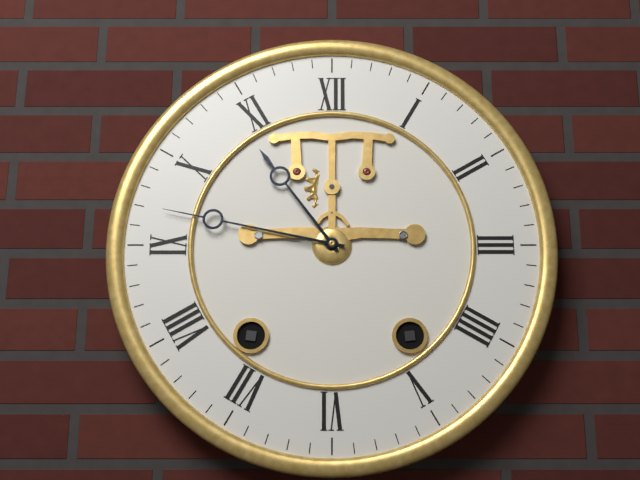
10:47
